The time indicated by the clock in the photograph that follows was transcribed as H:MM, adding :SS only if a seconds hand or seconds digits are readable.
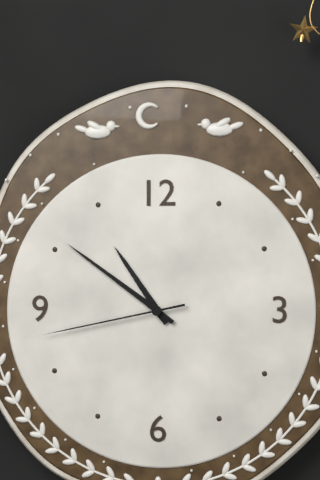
10:51:43
